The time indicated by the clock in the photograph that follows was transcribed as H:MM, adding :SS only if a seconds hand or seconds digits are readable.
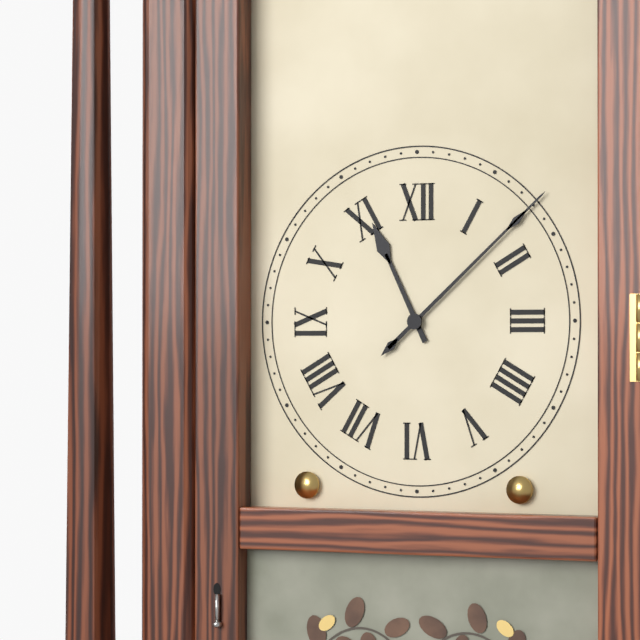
11:08
